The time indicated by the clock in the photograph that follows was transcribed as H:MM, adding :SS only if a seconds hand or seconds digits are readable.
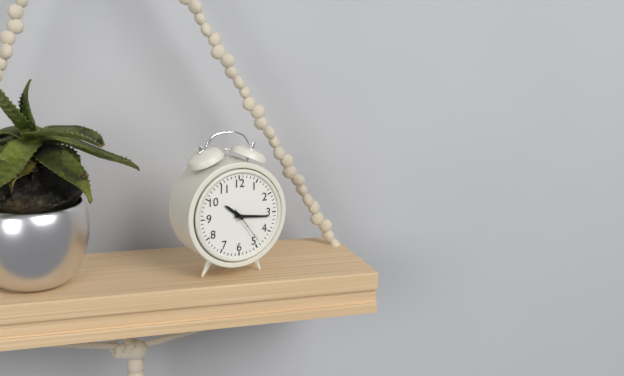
10:16
